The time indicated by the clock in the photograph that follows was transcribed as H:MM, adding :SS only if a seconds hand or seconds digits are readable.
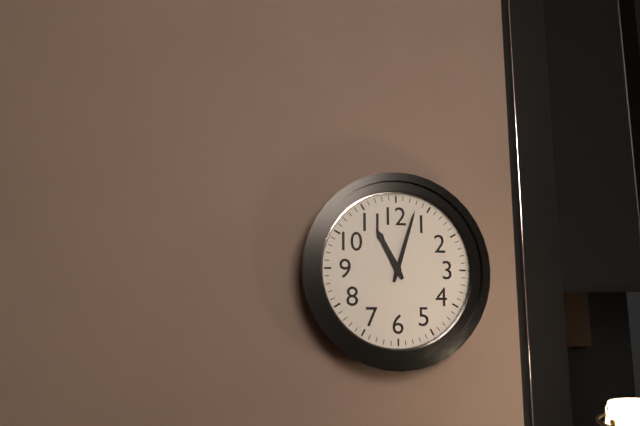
11:03
